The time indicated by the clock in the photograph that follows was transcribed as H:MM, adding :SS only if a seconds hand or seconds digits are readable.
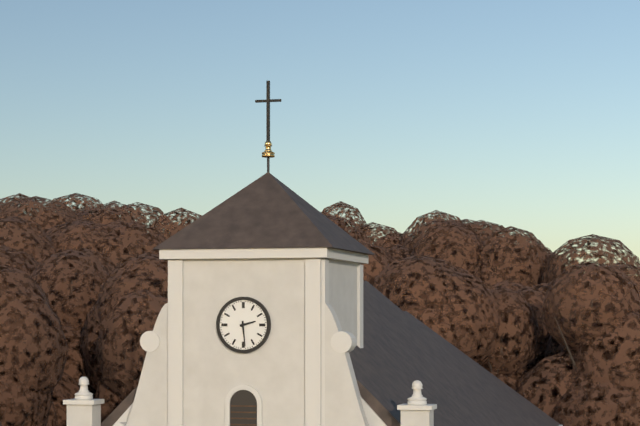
2:29
